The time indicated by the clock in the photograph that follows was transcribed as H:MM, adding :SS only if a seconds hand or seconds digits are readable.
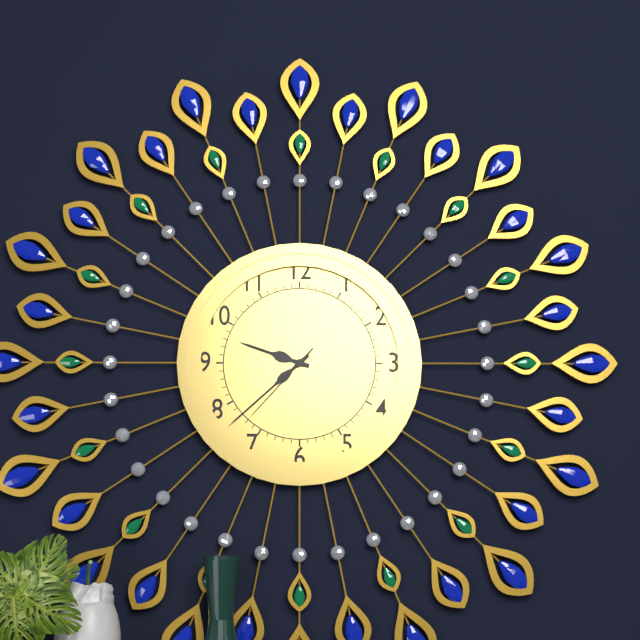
9:38:37
